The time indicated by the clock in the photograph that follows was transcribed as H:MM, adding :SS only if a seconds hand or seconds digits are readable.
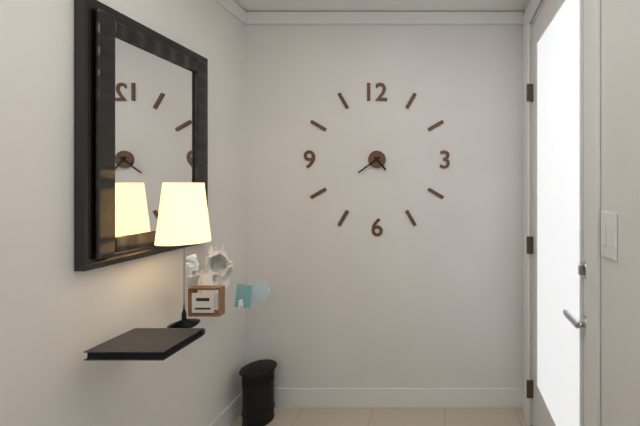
4:39
